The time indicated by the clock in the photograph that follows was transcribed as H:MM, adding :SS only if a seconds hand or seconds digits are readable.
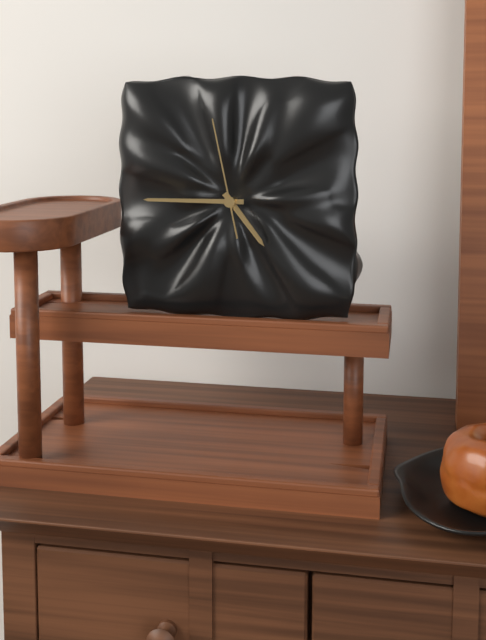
4:45:58
